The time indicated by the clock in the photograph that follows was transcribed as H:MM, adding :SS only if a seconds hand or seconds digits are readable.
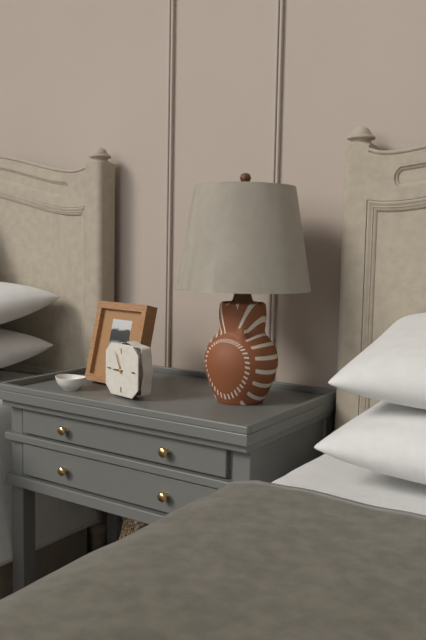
8:56
